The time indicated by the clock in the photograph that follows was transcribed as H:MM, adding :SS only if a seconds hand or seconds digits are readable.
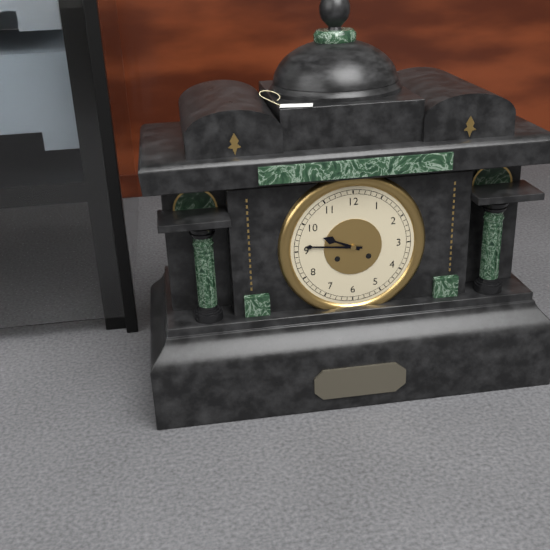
9:46
